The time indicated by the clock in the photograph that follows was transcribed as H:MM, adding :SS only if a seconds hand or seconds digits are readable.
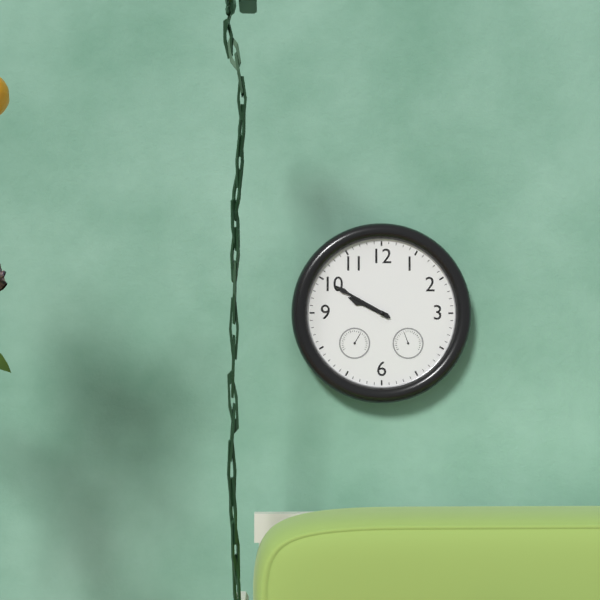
9:50
